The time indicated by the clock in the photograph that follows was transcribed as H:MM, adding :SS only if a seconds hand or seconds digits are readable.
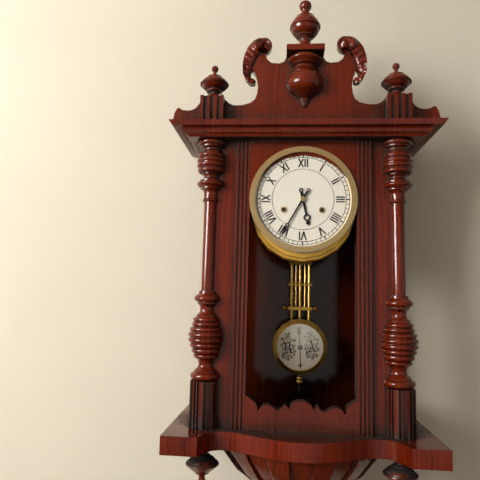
5:35
